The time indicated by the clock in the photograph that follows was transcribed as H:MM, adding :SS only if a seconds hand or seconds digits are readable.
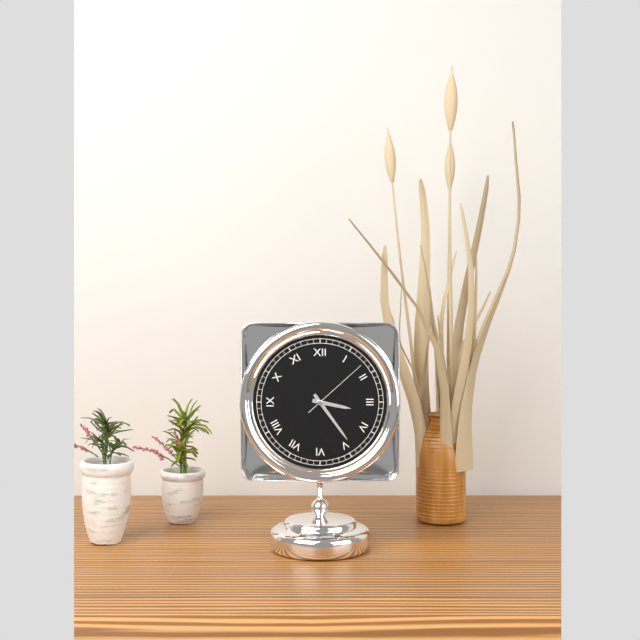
3:24:08
